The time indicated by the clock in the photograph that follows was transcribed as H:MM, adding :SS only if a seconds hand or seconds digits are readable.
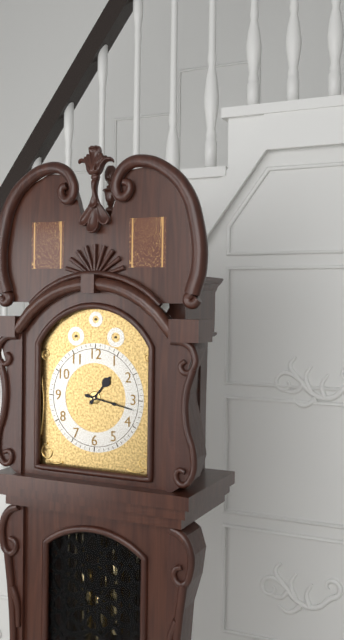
1:17
